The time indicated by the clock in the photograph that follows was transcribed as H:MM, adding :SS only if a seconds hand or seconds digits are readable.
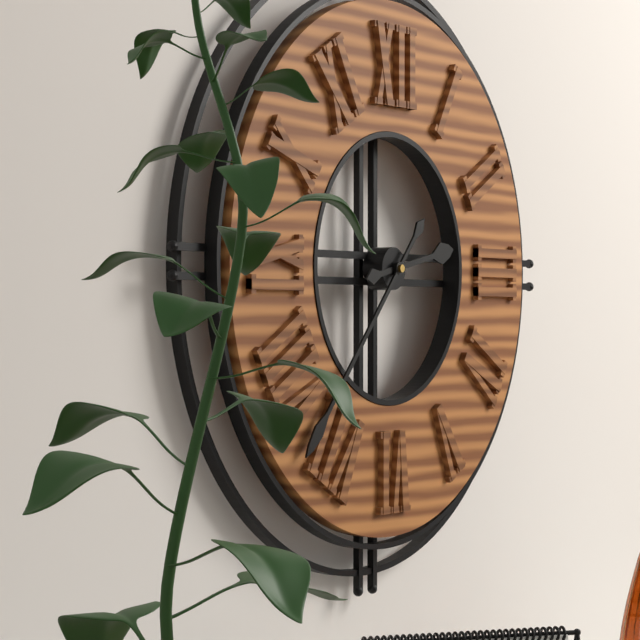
2:37
